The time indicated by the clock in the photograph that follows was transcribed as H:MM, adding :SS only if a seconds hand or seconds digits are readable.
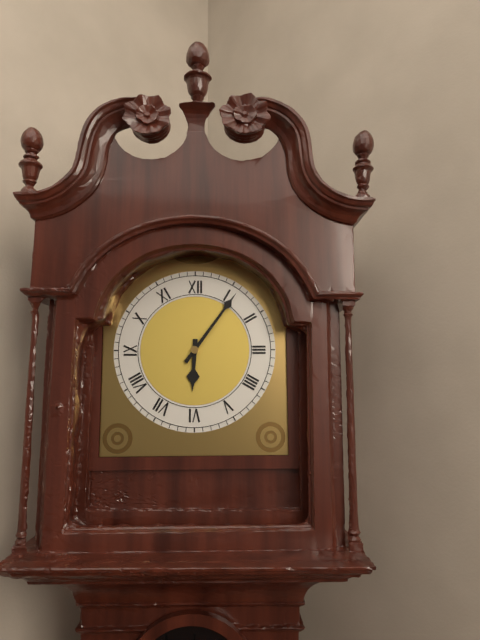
6:06
